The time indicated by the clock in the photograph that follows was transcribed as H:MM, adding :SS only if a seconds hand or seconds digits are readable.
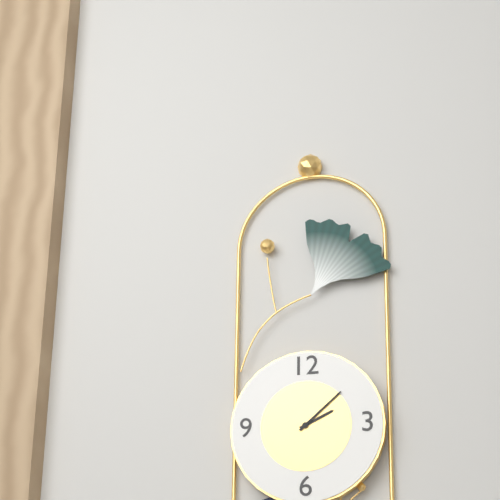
2:08
